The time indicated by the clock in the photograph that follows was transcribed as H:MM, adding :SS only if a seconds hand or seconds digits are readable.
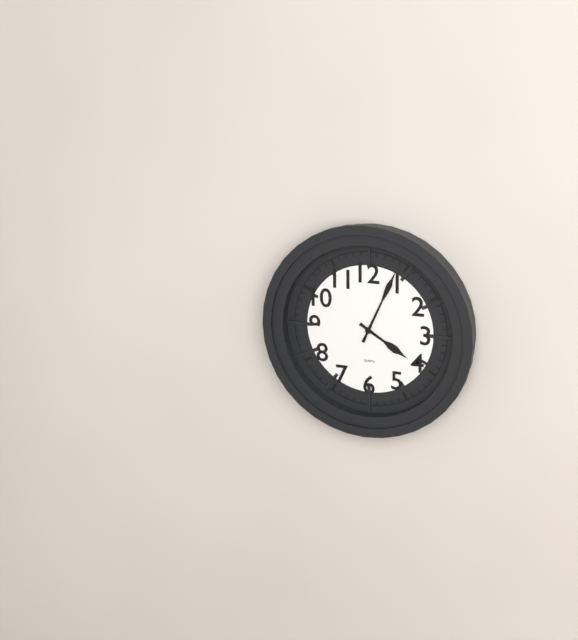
4:04
